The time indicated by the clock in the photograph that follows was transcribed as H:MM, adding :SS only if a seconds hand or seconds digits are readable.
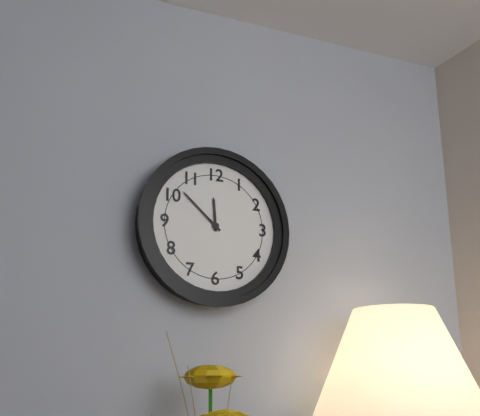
11:52
